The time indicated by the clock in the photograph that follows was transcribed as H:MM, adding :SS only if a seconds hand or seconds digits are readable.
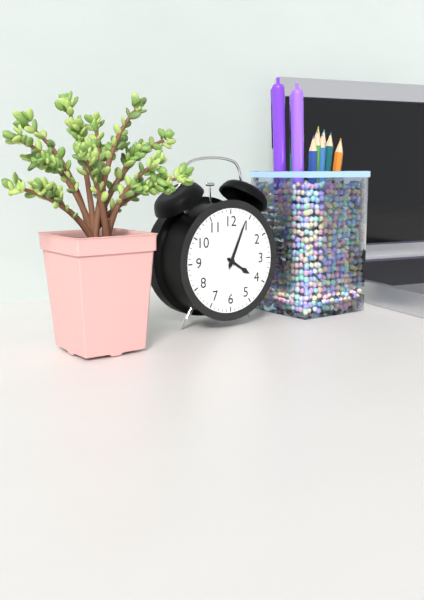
4:04
